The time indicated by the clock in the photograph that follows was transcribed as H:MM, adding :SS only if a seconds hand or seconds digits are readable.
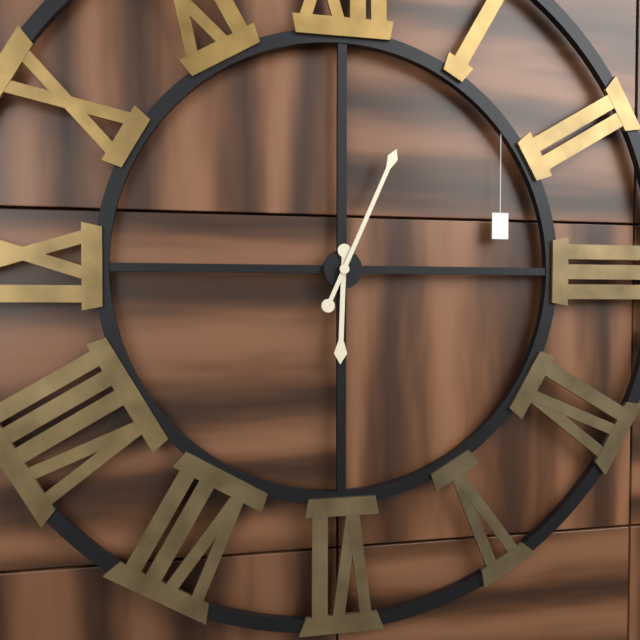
6:04
